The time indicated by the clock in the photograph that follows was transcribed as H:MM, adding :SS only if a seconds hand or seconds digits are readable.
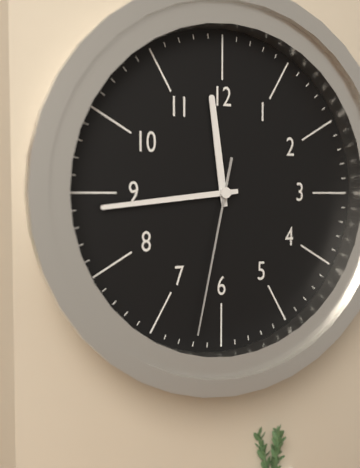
11:44:32
